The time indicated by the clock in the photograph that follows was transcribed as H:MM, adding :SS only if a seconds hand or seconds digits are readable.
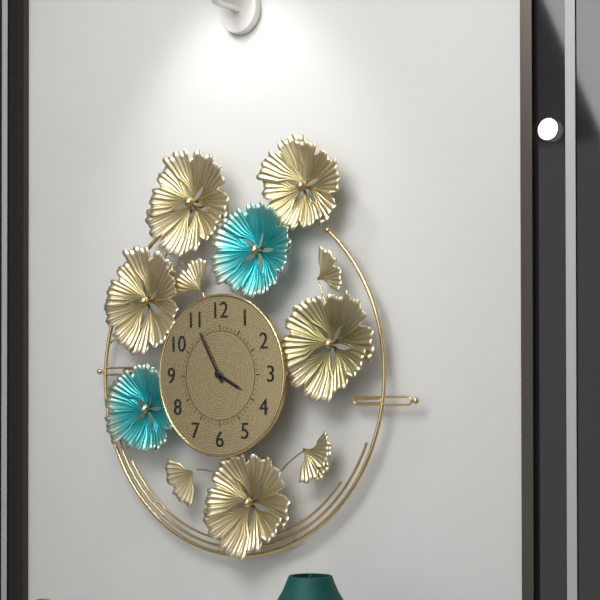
3:55
